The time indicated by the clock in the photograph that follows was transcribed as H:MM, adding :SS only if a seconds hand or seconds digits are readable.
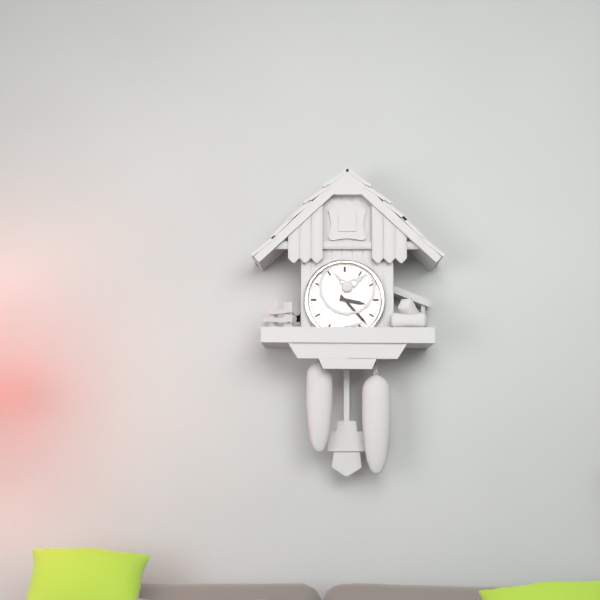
3:23
